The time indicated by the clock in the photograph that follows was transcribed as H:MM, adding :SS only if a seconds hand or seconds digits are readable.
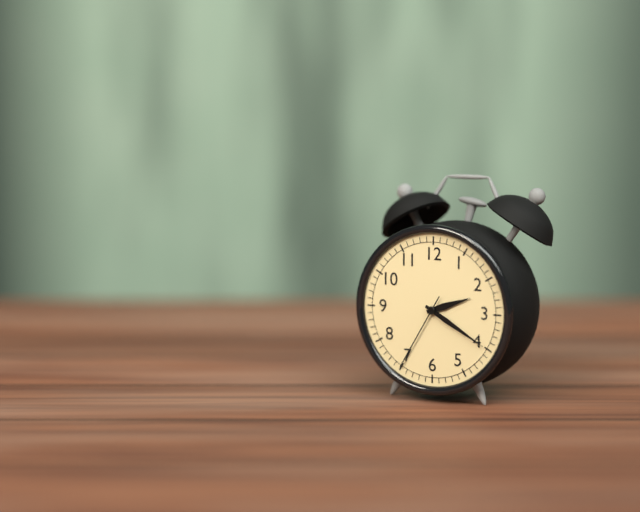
2:20:35
